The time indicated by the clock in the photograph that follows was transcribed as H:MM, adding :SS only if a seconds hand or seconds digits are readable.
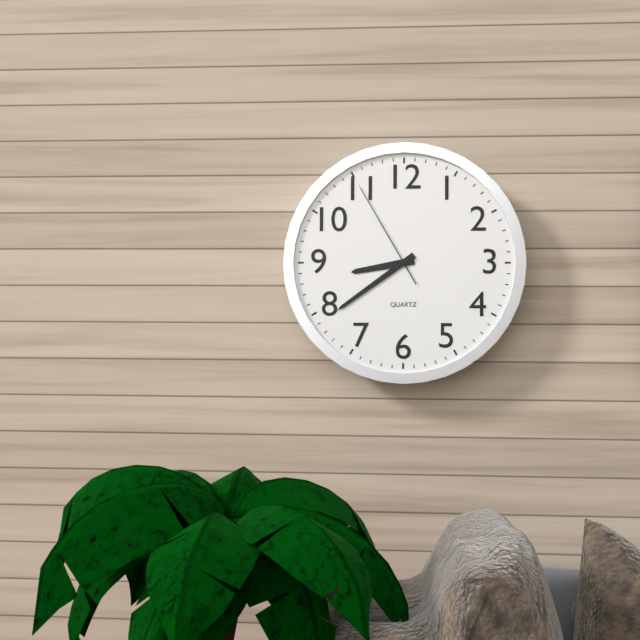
8:39:55
